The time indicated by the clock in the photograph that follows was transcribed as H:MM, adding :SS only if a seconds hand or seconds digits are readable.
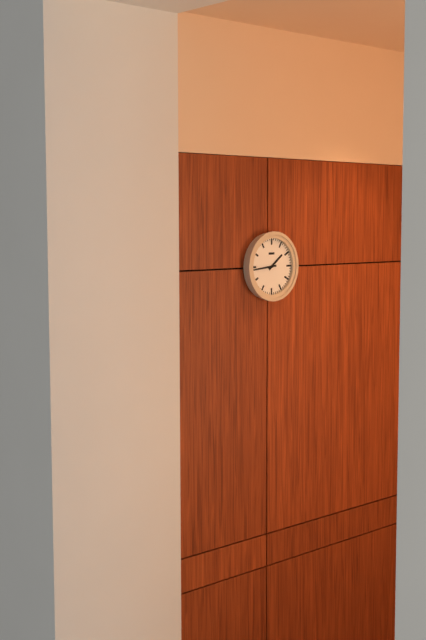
1:44
